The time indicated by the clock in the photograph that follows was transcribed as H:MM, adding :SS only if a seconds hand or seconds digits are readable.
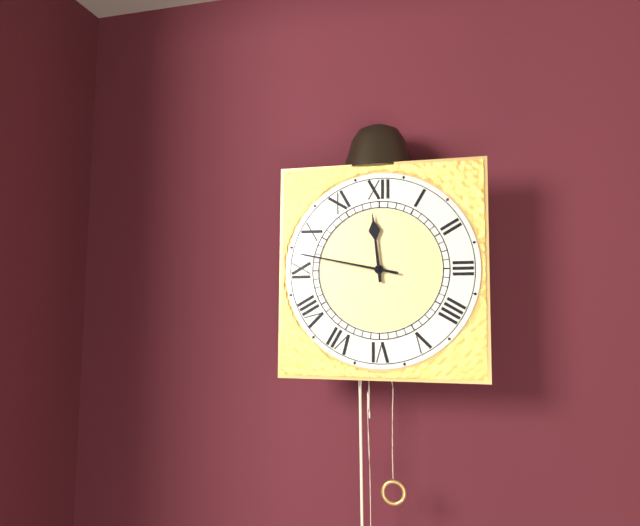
11:47
